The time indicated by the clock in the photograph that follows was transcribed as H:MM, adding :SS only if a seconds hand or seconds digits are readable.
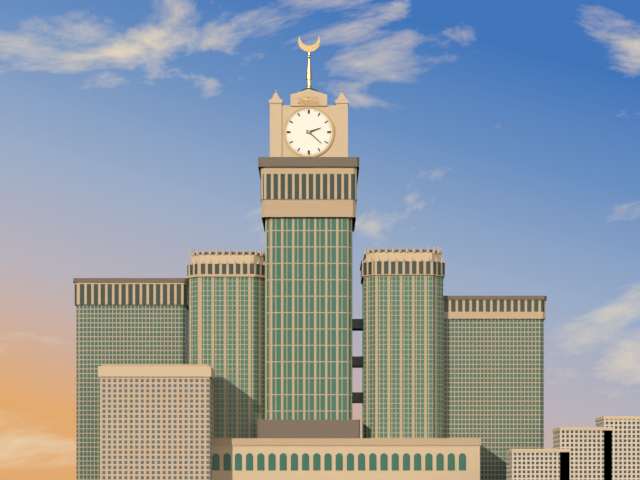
2:22
